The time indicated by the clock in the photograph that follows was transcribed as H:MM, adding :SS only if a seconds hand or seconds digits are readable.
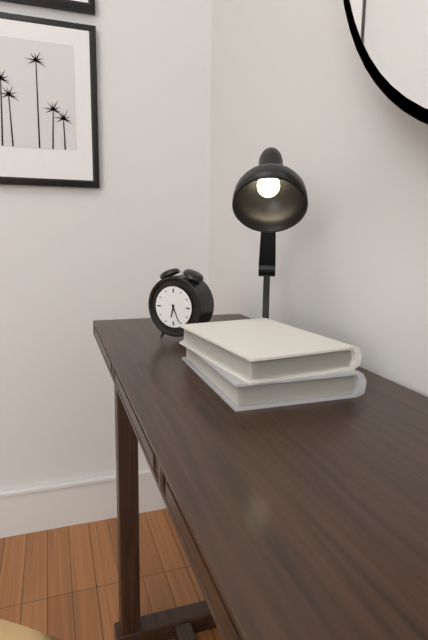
6:26
